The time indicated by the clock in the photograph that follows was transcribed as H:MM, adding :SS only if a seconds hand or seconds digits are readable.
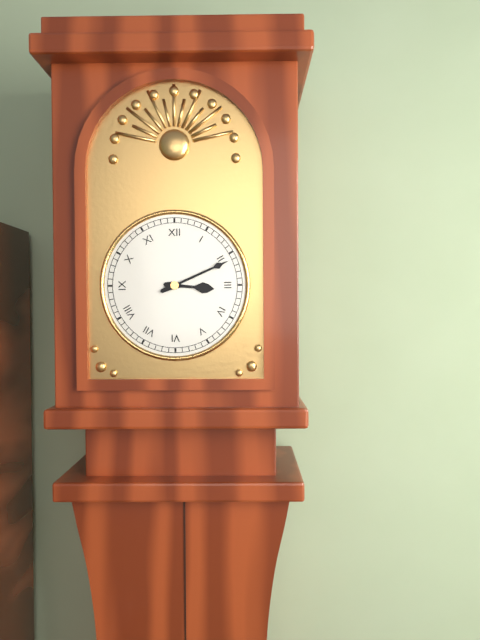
3:11
